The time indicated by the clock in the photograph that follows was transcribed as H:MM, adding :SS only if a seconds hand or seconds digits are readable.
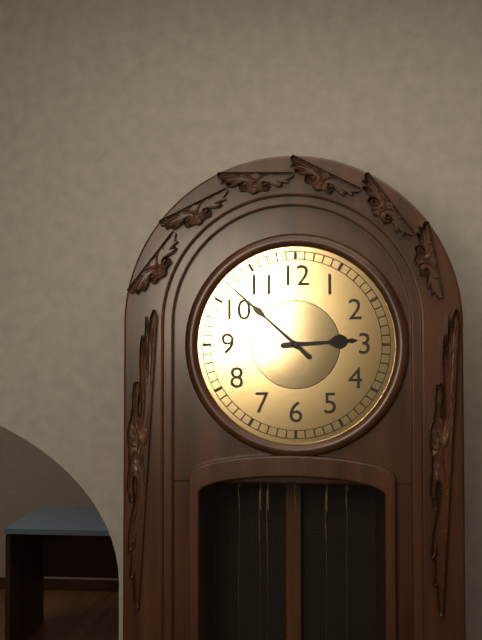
2:52
